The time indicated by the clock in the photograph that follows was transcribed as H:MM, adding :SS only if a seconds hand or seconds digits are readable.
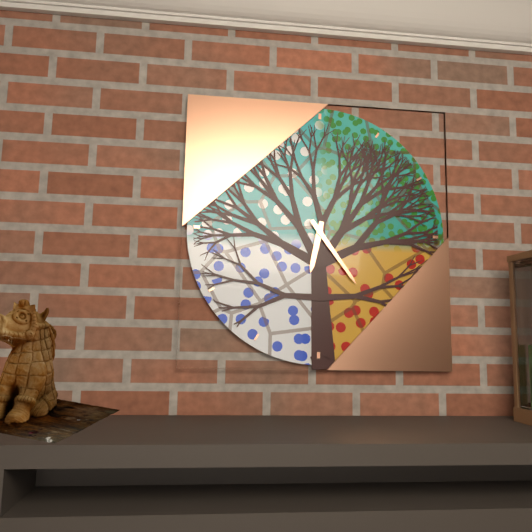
6:24
